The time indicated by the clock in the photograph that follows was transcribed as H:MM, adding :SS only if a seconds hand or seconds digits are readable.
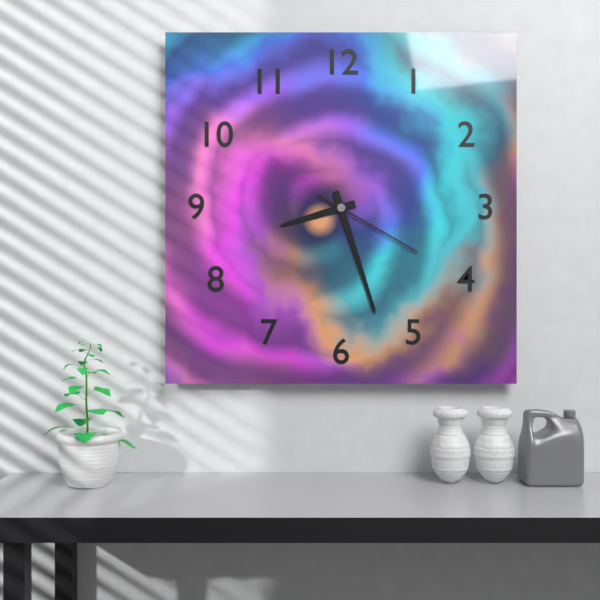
8:27:20
